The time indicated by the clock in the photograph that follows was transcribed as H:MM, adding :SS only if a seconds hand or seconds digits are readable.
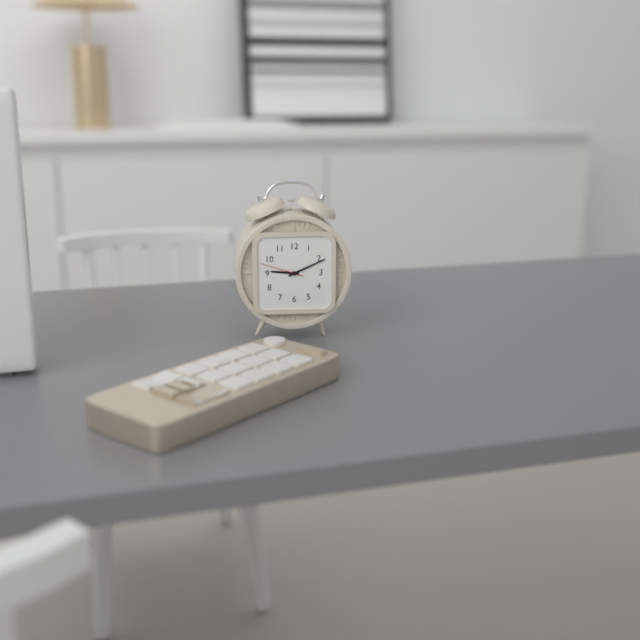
9:11
